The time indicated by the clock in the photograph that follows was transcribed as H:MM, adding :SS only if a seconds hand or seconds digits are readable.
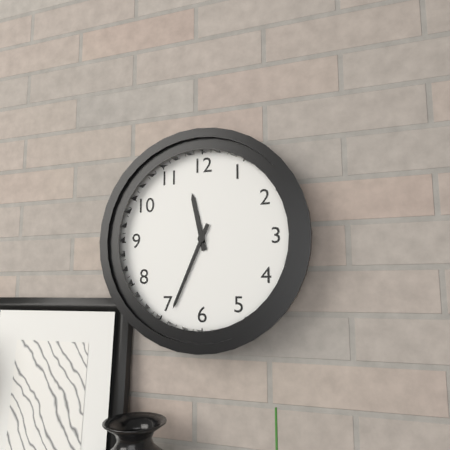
11:34
